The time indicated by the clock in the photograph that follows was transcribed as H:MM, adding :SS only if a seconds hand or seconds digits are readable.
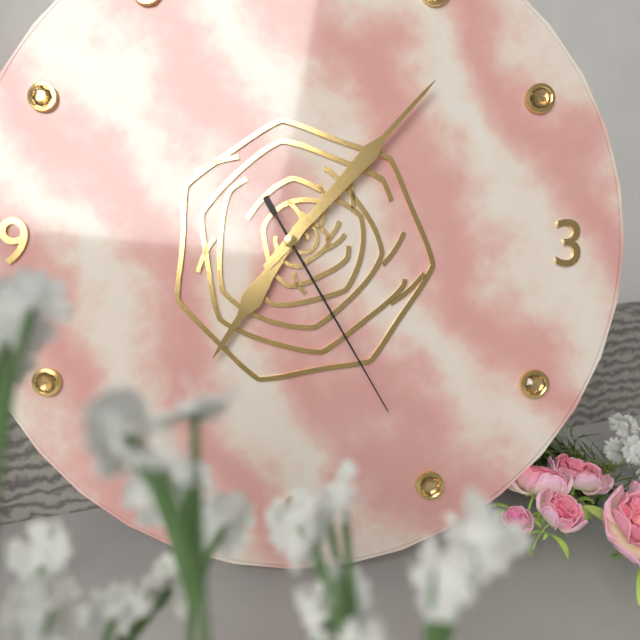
7:07:25
